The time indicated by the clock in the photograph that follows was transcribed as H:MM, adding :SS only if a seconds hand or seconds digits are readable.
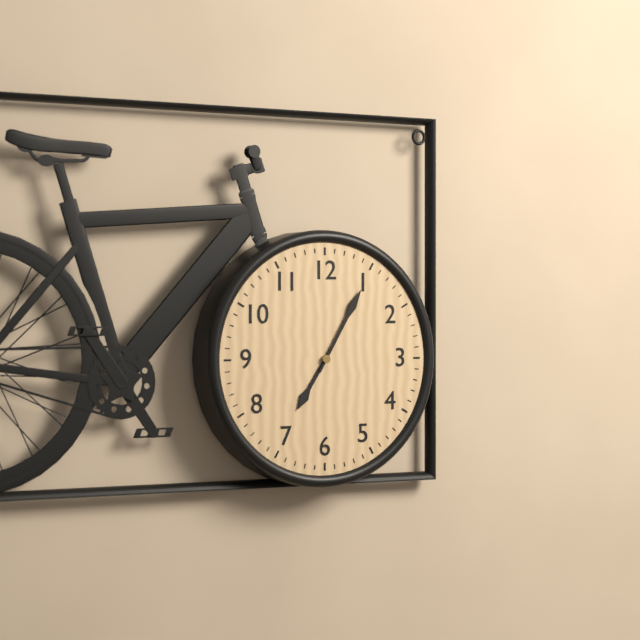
7:05
